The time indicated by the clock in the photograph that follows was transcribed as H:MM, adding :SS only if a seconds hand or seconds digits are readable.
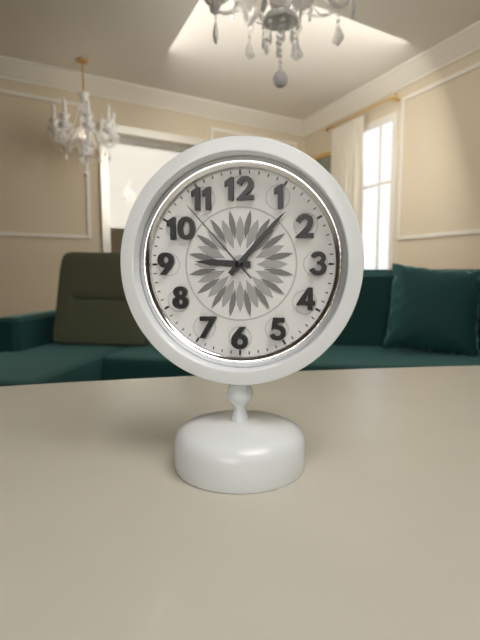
9:07:53
